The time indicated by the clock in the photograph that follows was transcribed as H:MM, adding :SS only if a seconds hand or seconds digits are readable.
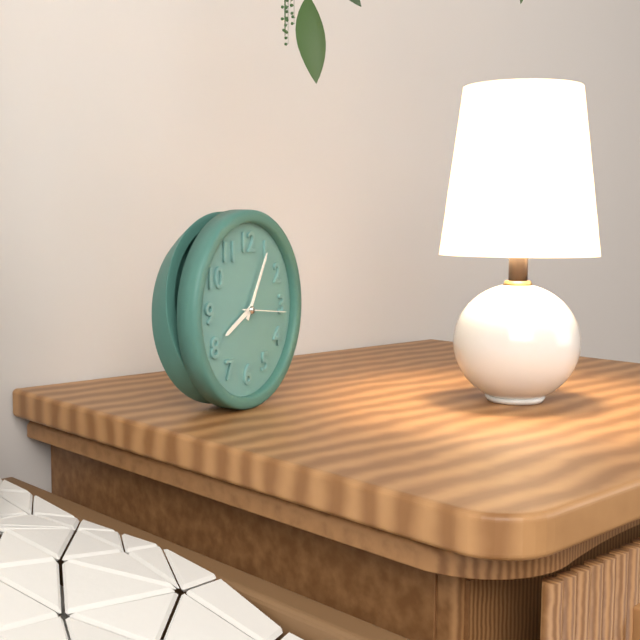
8:05
